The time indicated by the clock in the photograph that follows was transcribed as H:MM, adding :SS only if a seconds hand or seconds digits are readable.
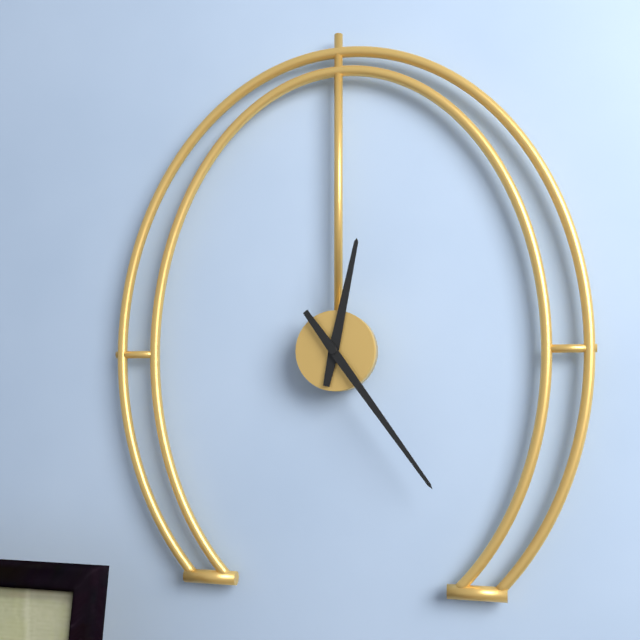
12:24
